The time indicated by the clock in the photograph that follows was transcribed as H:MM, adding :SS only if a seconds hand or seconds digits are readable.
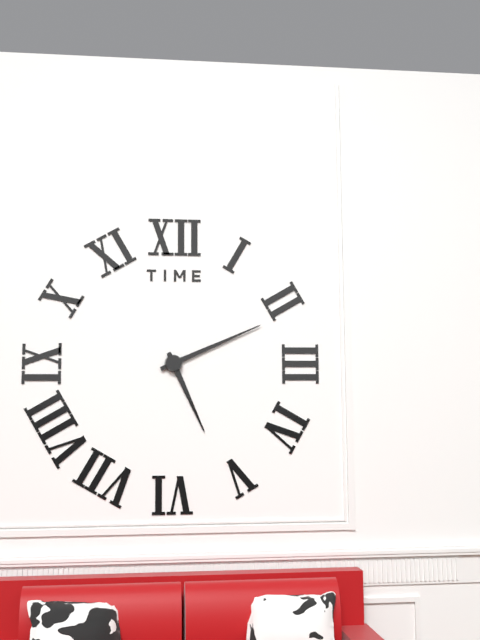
5:11
